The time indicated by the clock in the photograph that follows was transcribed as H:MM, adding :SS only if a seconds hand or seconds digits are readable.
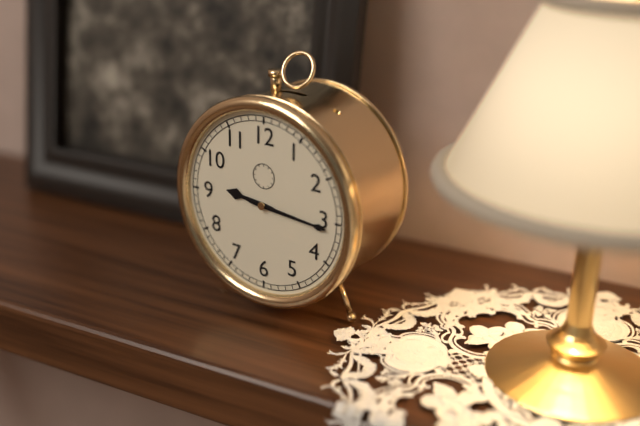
9:16
